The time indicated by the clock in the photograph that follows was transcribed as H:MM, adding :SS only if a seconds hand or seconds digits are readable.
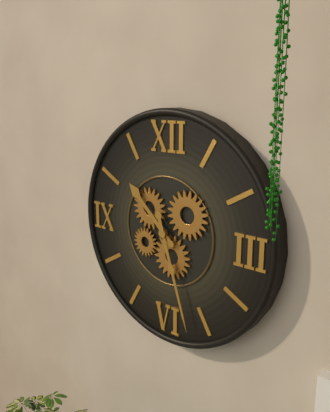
10:27
